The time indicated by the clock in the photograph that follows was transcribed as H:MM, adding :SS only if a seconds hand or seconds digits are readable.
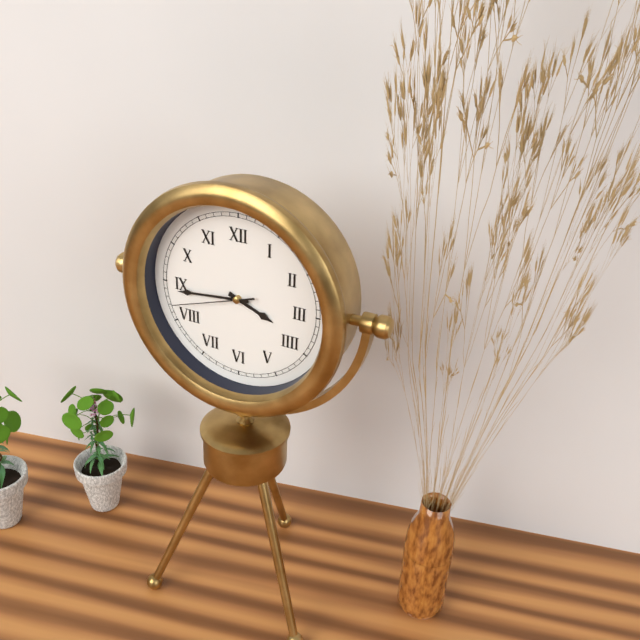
3:44:42
